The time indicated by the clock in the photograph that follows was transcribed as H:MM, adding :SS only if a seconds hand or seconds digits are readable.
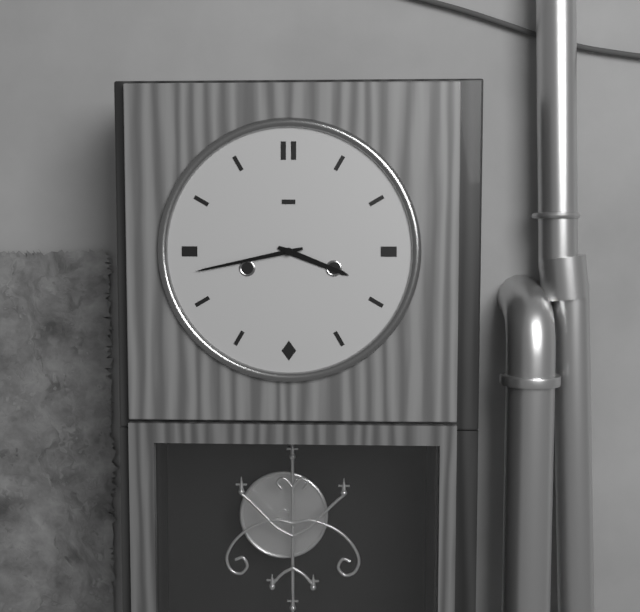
3:43
